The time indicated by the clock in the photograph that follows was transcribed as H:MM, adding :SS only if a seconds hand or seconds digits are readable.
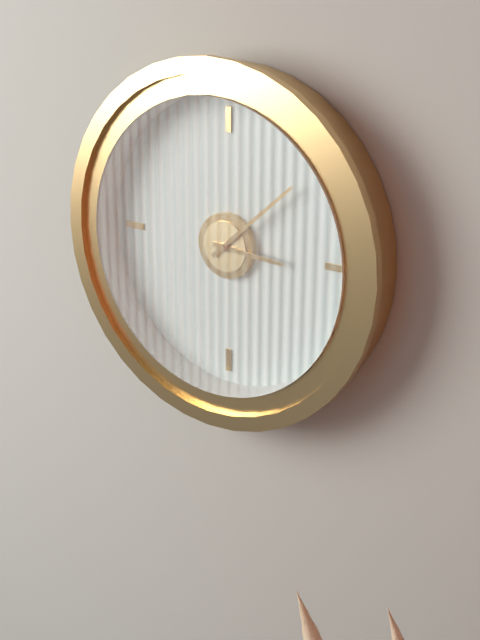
3:08
